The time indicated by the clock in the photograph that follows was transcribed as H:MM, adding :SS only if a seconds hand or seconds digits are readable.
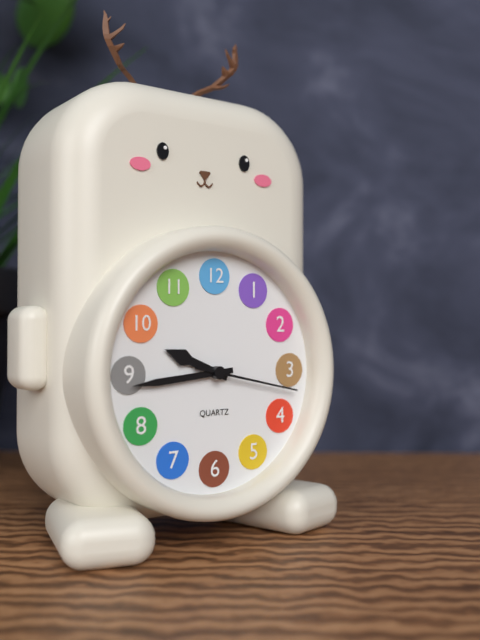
9:44:17
